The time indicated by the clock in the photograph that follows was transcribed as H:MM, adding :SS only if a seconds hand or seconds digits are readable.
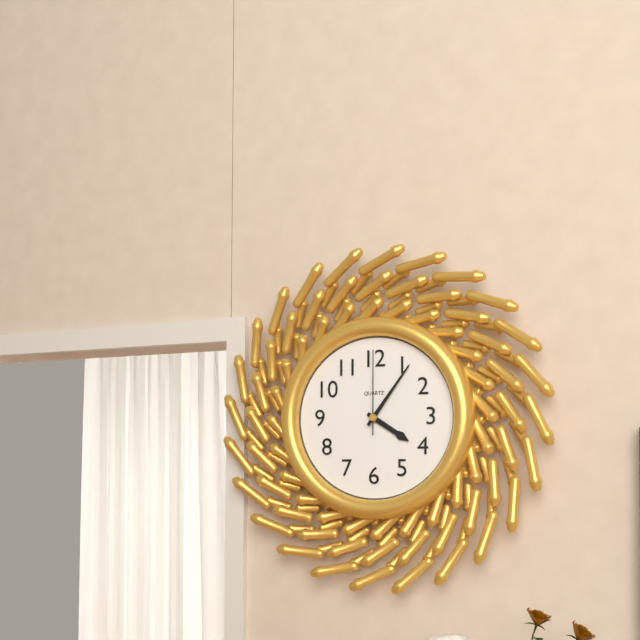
4:06:00
